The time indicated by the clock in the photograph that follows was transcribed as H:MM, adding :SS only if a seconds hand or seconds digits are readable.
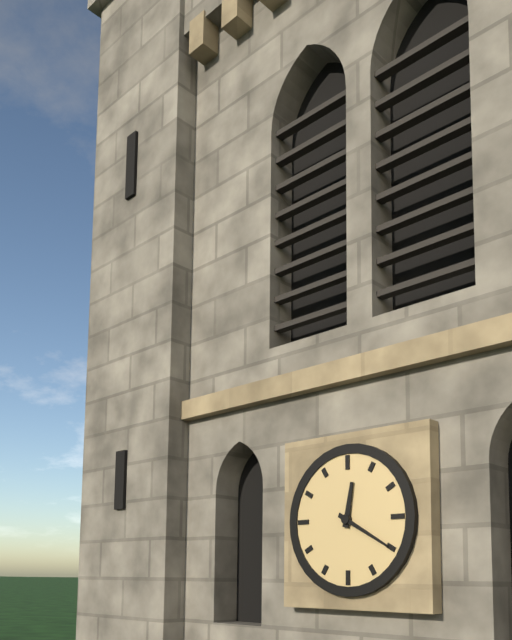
12:20
